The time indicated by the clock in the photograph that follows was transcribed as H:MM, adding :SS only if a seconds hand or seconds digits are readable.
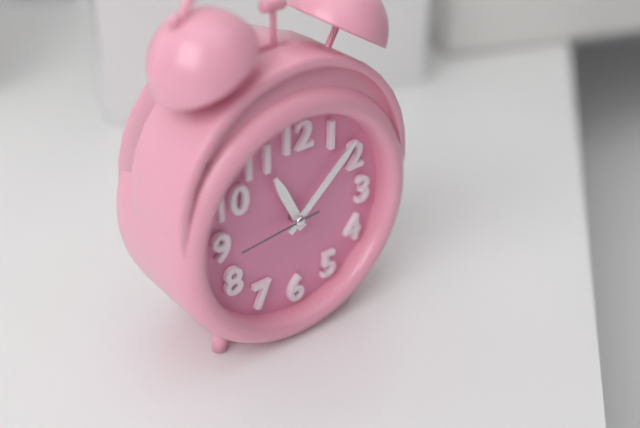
11:08:44
